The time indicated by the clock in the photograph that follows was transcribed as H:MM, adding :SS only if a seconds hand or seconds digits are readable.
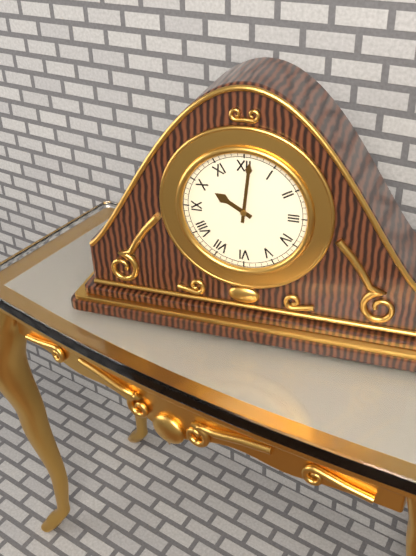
10:01
